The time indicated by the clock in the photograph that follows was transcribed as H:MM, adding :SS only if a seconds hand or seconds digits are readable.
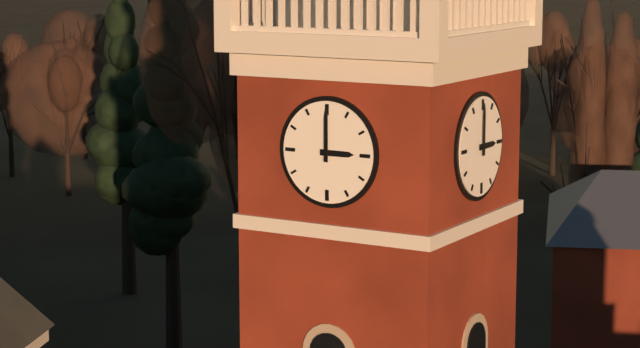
3:00
